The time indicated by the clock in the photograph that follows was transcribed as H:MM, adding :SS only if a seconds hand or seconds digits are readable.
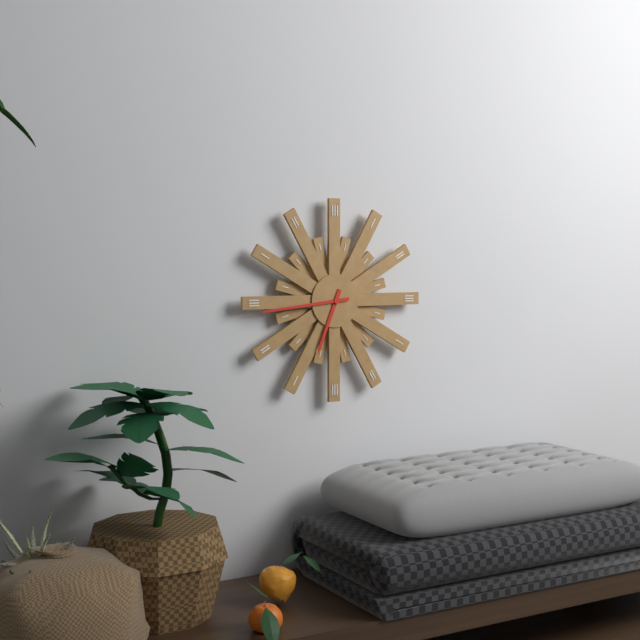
6:44
